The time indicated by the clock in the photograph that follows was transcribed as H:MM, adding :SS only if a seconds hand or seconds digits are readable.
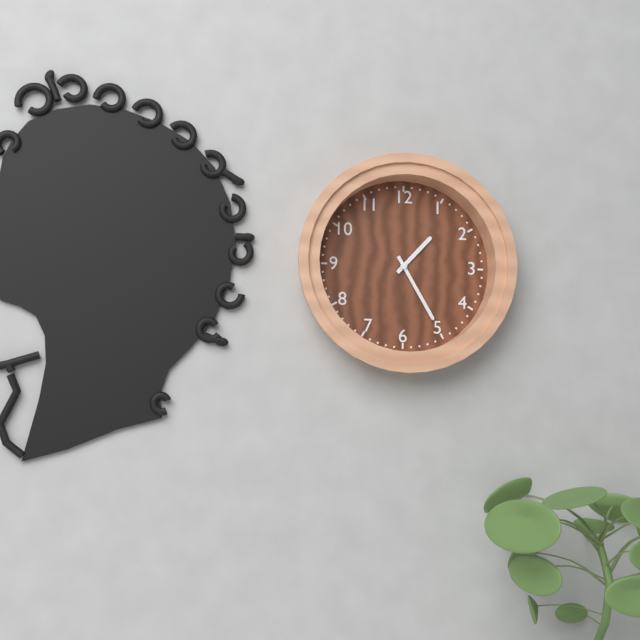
1:25
